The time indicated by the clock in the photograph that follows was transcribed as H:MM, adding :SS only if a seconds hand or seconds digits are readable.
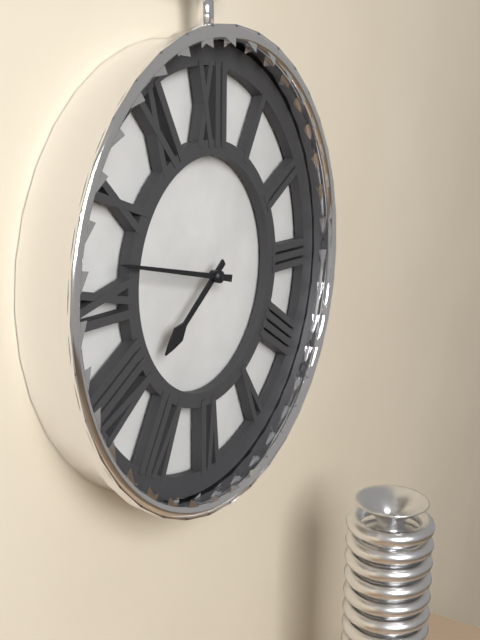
7:47
